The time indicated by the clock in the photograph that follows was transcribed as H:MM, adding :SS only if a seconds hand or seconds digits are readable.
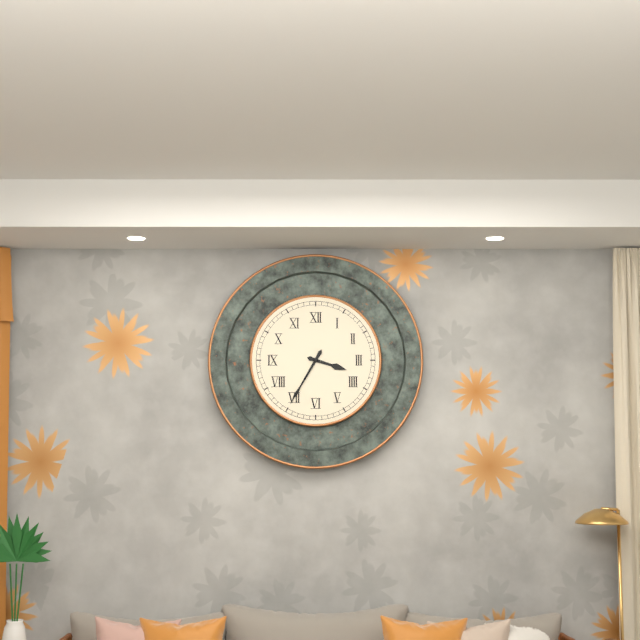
3:35
